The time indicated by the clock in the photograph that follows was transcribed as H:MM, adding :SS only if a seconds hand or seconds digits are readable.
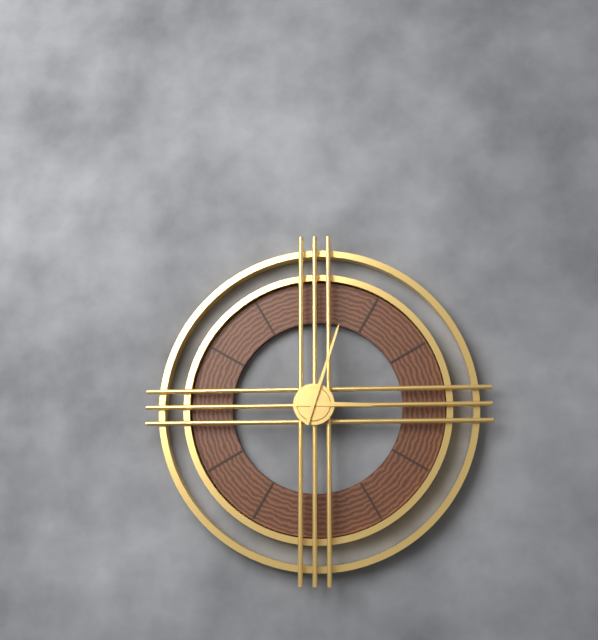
3:03
